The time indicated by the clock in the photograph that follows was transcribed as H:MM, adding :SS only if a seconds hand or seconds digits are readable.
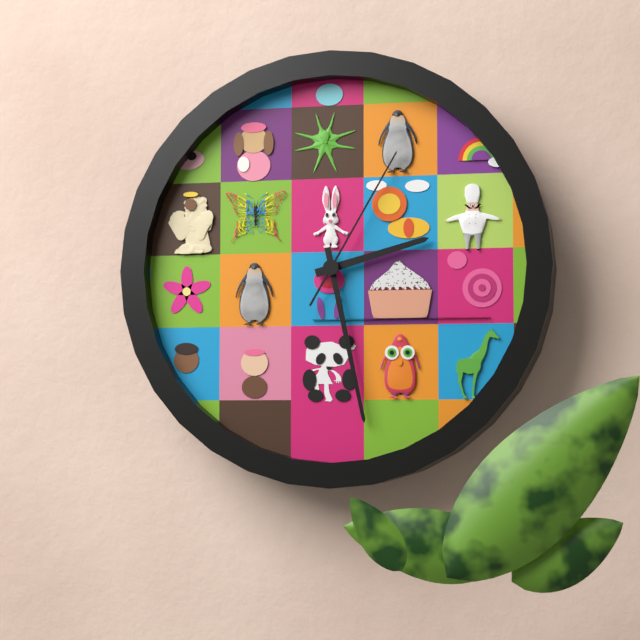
2:28:05
